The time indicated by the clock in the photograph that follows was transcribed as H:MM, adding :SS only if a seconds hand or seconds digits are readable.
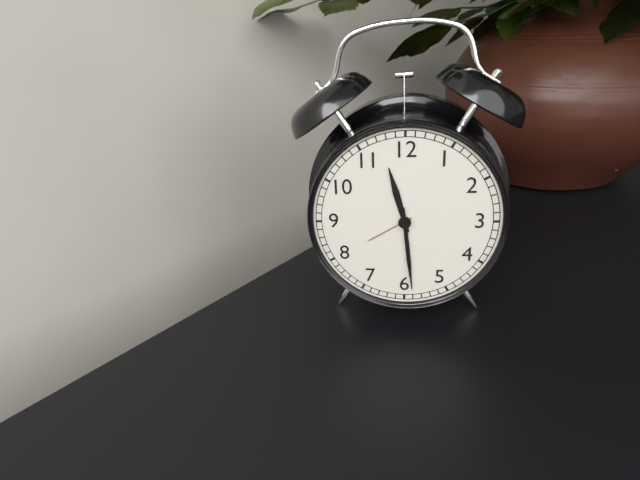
11:29
